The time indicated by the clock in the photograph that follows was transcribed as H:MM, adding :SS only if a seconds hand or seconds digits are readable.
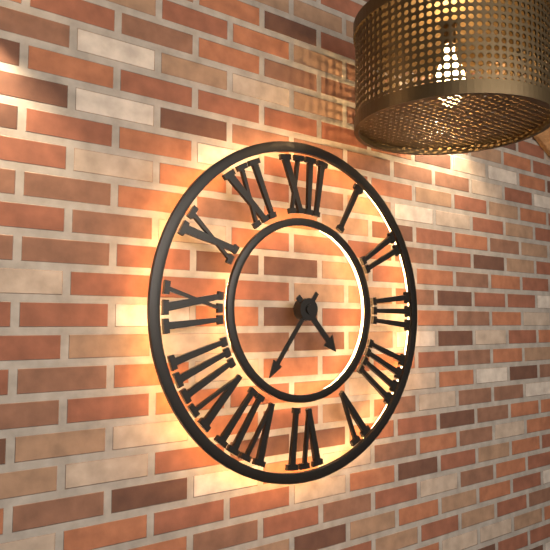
4:36
